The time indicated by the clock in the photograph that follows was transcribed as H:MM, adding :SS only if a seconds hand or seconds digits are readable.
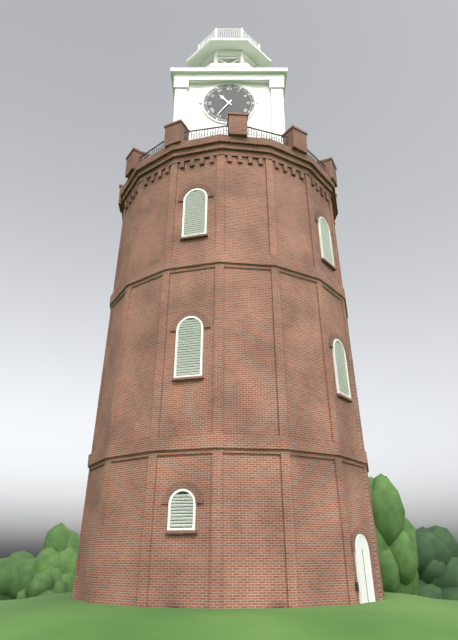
10:36
